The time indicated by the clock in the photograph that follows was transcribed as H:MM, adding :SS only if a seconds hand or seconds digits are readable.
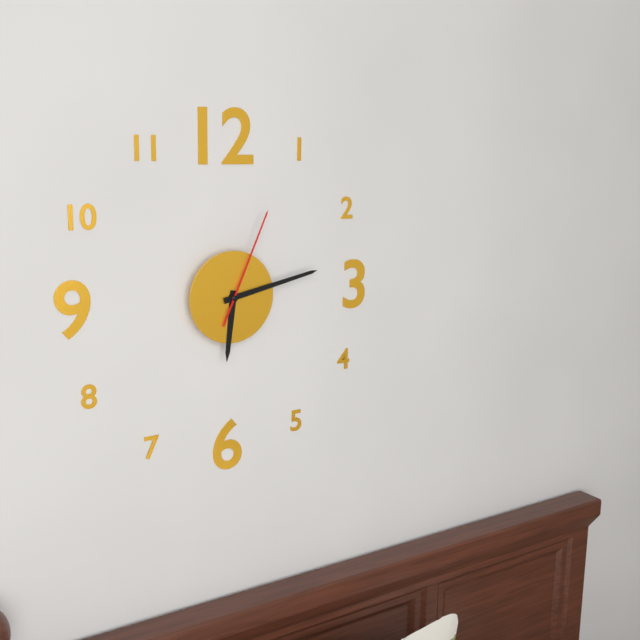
6:13:04
